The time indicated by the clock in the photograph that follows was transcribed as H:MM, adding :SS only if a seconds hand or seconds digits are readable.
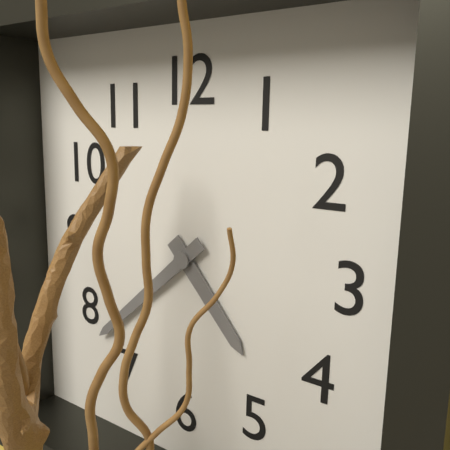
4:38
